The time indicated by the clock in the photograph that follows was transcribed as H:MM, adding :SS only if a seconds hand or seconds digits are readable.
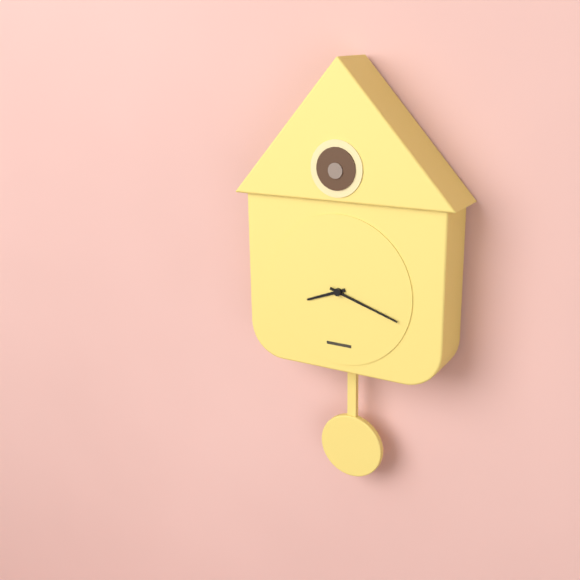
8:18
